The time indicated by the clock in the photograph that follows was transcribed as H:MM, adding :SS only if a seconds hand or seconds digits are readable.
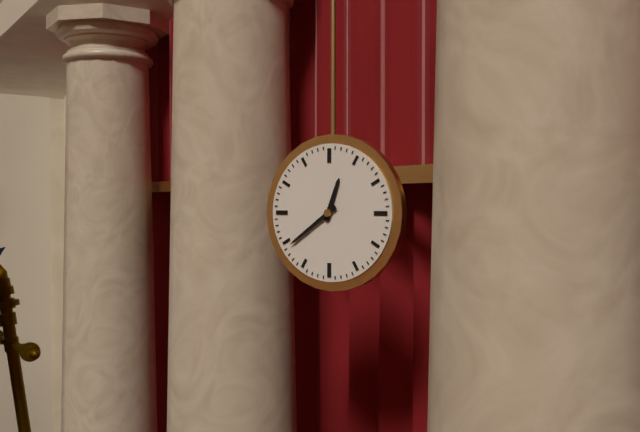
12:39
